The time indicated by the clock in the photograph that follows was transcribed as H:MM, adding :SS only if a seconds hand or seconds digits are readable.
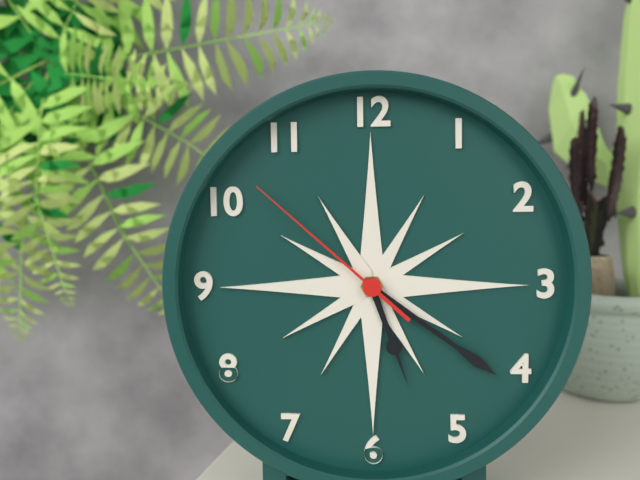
5:21:52
